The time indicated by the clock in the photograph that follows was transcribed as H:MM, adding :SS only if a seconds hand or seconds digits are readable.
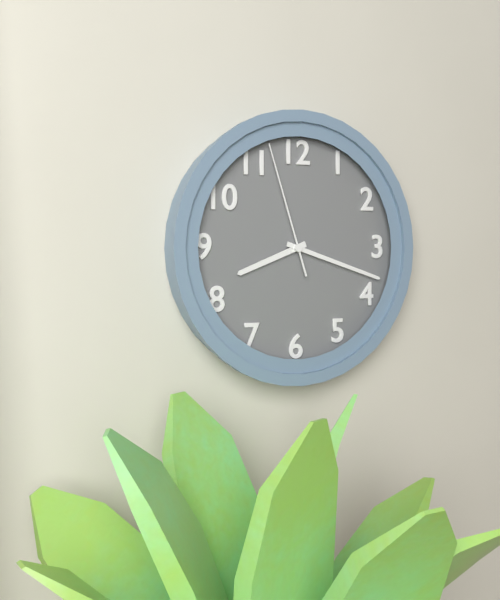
8:18:57
